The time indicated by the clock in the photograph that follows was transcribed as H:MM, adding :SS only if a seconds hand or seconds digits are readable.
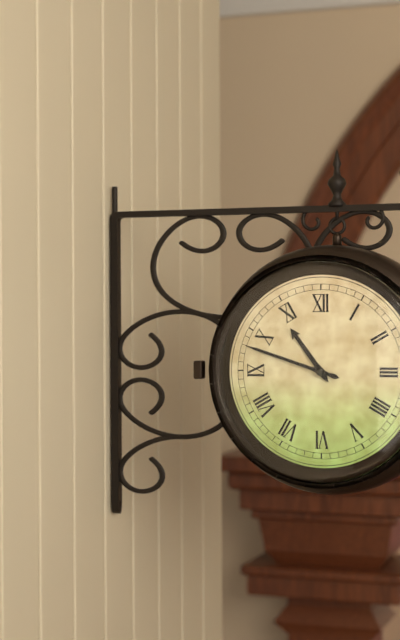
10:48
